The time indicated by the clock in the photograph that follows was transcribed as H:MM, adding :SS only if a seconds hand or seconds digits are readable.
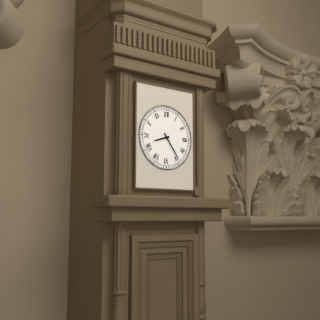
8:24
